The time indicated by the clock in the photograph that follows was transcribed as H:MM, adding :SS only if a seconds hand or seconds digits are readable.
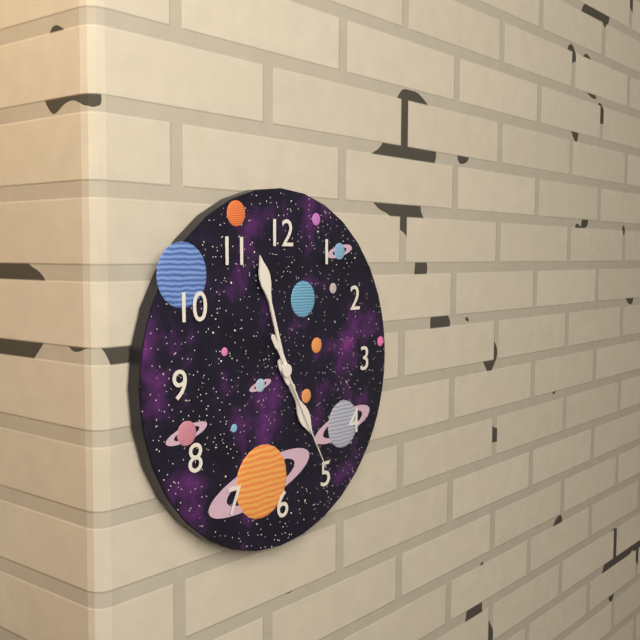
4:57:25
